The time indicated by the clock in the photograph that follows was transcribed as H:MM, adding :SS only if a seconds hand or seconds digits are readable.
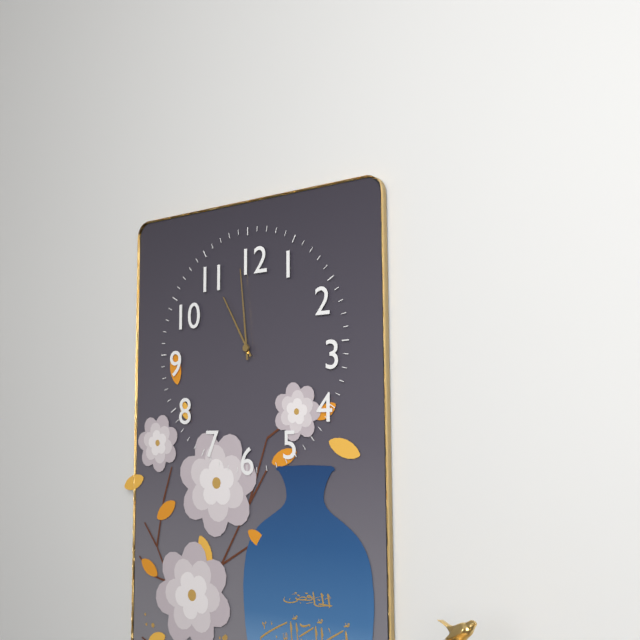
10:59
